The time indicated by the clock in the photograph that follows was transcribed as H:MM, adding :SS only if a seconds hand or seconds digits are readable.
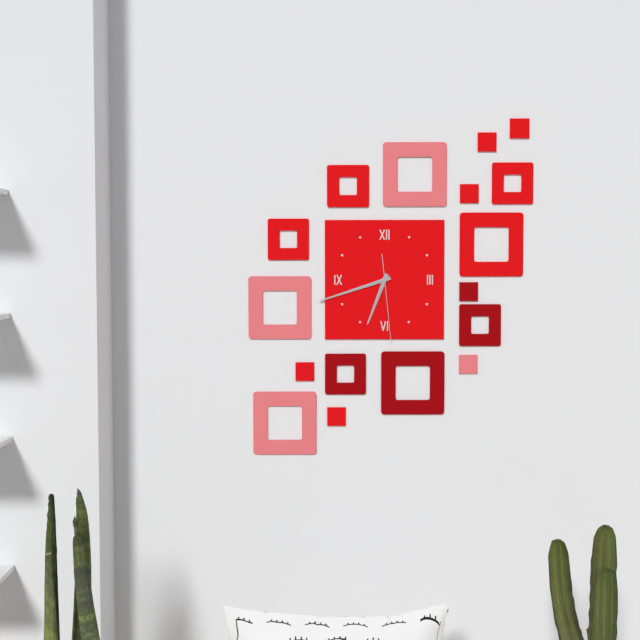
6:42:29
